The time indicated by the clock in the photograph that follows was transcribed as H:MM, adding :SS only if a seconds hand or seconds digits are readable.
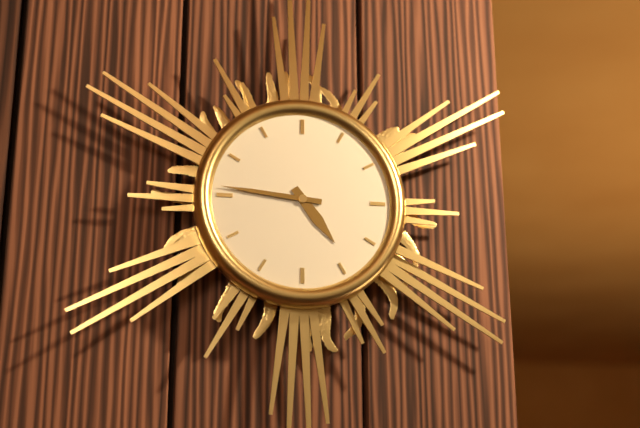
4:46
